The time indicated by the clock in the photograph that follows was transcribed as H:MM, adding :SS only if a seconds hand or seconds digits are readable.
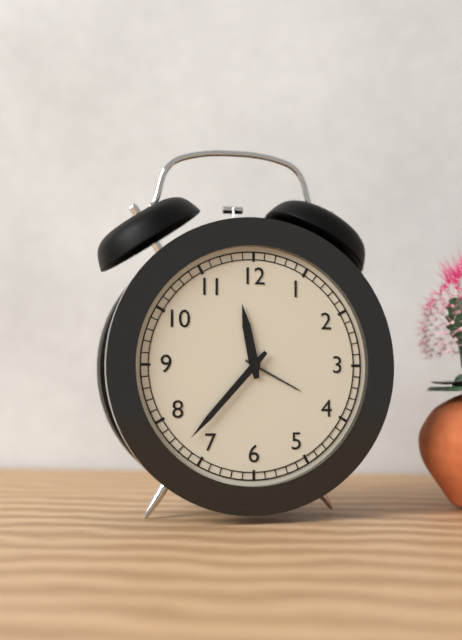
11:37
